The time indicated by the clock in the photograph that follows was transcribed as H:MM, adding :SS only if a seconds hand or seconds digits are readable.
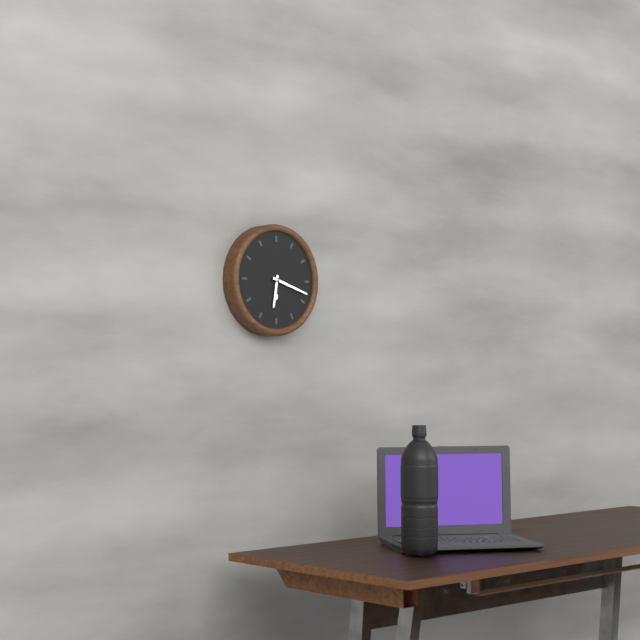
6:18
